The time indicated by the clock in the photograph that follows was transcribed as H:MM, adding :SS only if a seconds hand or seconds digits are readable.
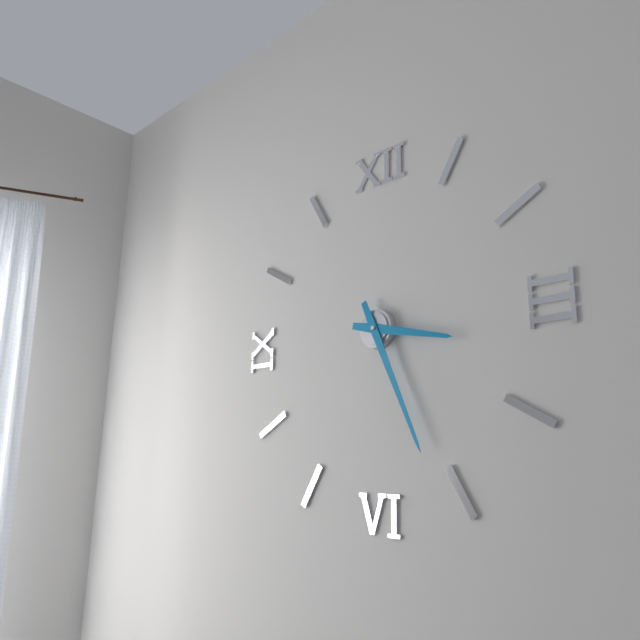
3:26
